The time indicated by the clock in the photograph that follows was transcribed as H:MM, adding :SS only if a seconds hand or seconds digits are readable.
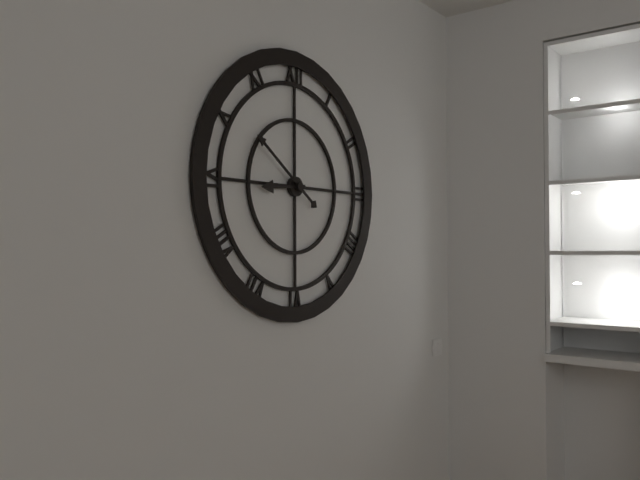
8:51
